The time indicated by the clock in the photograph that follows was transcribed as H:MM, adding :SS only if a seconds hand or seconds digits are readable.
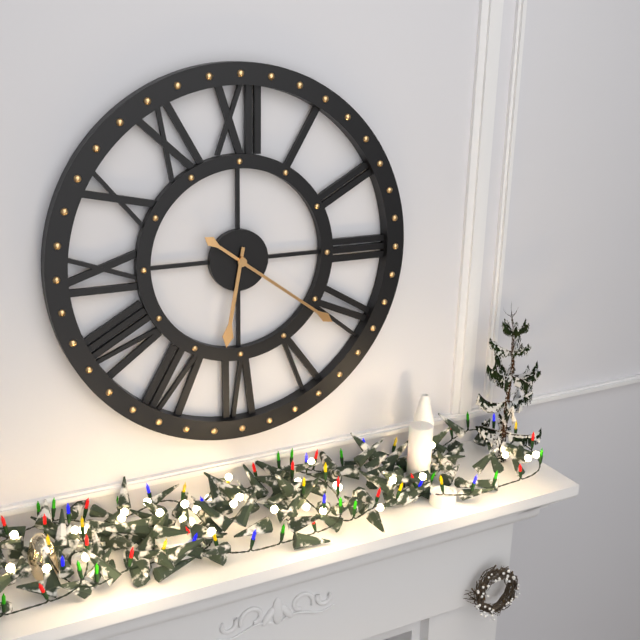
6:21
